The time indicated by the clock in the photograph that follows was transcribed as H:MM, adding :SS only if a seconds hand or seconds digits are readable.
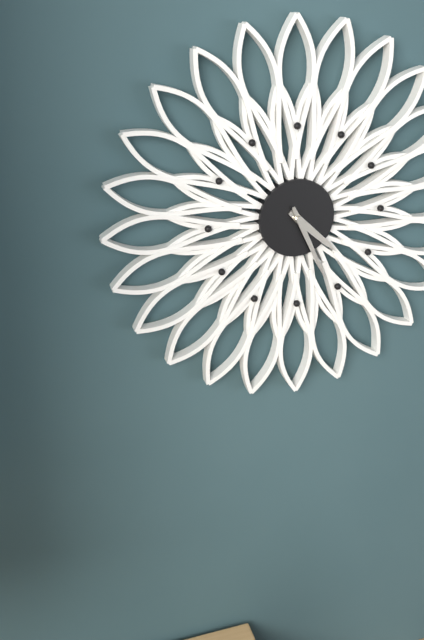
4:26
